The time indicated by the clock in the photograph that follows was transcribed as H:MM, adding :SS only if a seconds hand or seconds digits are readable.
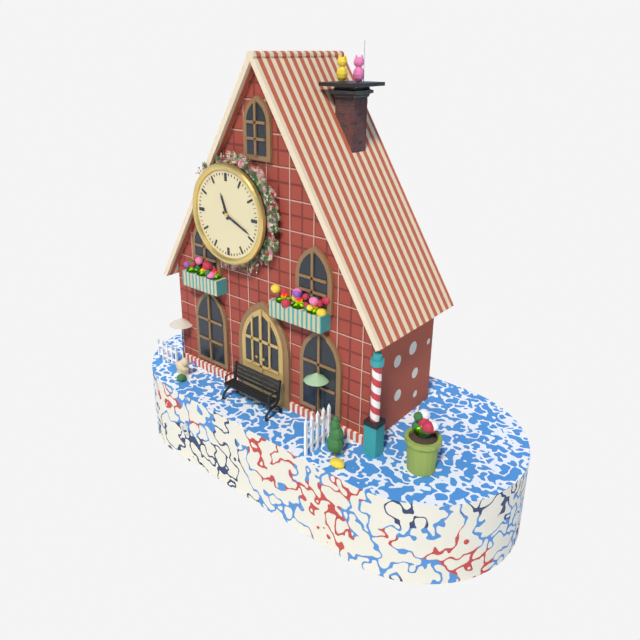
11:19
